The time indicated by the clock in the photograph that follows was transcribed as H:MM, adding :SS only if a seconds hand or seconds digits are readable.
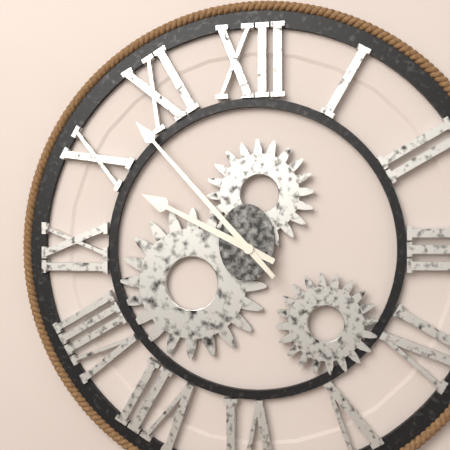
9:53
